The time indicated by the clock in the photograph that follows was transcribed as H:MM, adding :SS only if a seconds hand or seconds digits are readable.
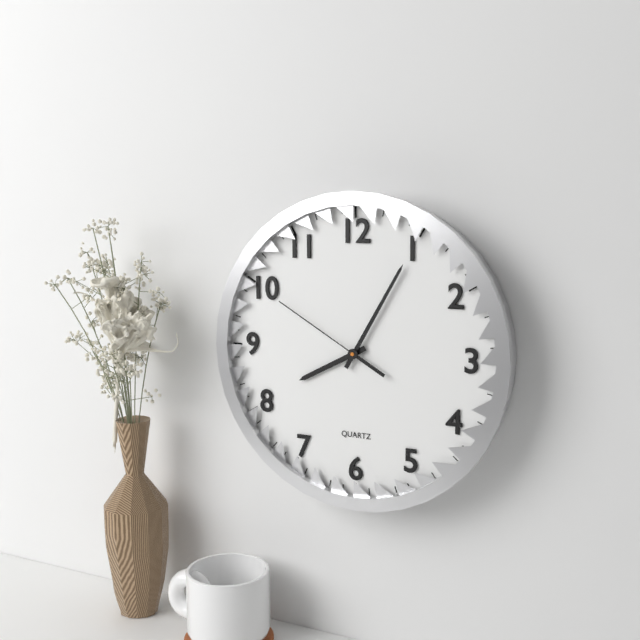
8:05:50
